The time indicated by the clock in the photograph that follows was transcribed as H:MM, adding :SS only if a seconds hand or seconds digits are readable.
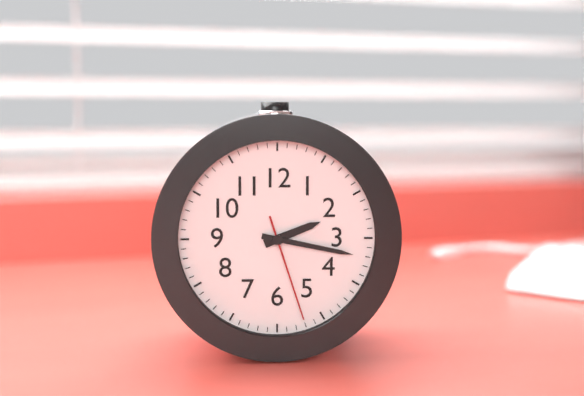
2:17:27
